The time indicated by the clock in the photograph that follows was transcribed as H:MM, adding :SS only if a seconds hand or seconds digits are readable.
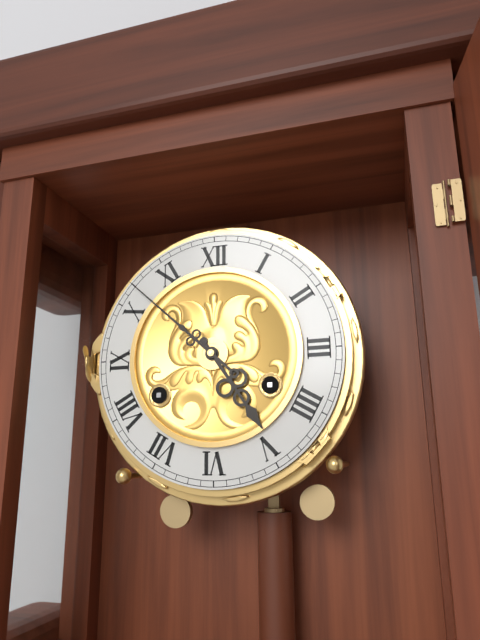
4:52
